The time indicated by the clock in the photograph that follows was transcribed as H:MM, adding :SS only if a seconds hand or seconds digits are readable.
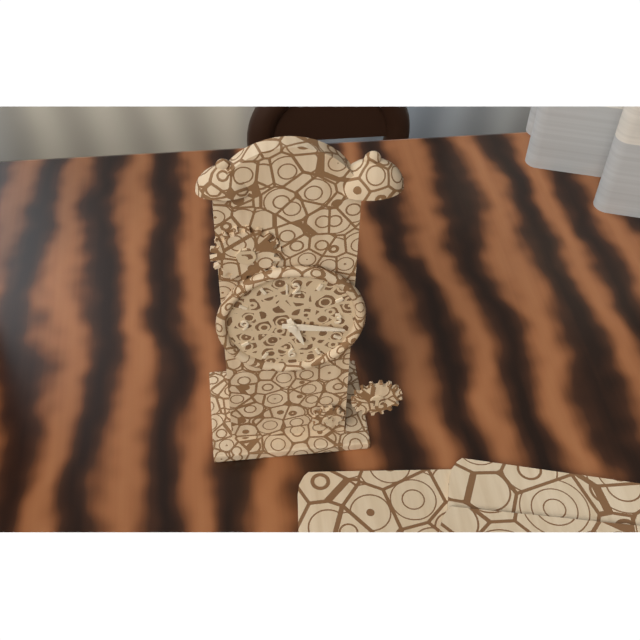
5:17
